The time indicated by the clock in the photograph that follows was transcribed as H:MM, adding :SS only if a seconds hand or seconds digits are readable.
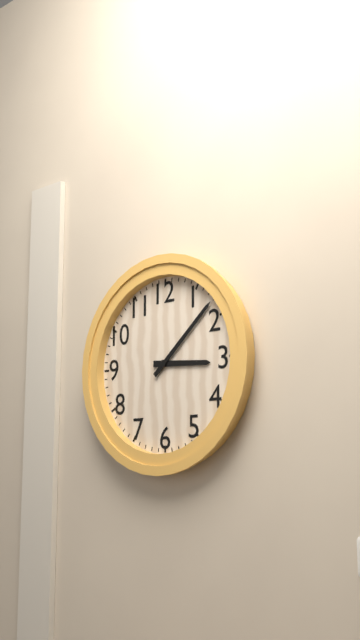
3:08
